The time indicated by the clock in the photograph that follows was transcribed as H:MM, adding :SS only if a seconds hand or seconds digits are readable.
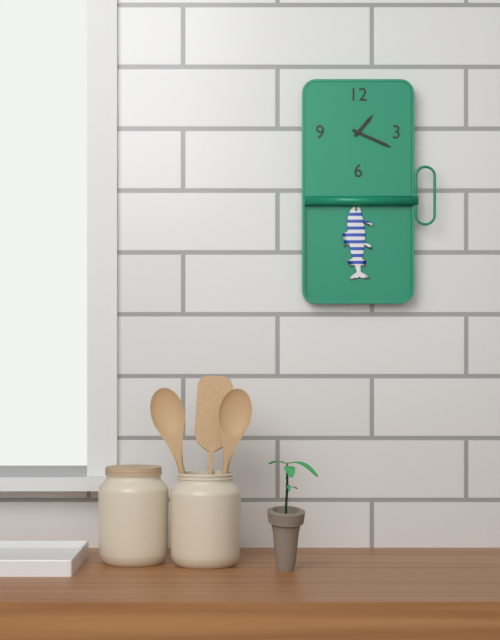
1:19
